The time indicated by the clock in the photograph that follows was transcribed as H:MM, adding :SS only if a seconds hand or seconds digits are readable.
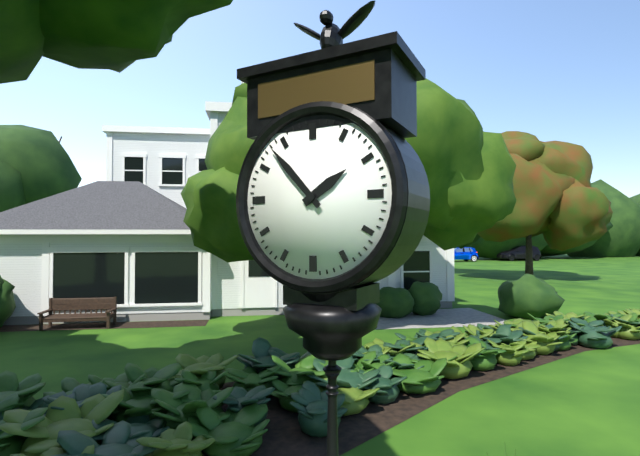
1:53
